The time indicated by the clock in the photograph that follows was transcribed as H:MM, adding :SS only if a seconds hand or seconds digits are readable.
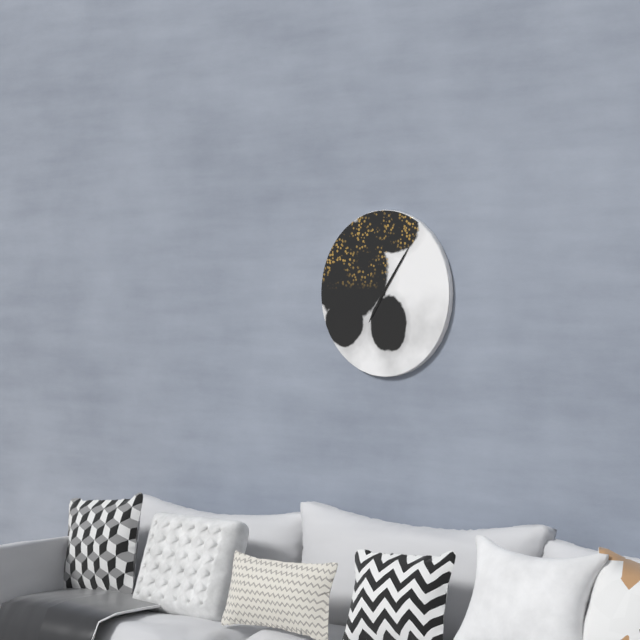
7:06
